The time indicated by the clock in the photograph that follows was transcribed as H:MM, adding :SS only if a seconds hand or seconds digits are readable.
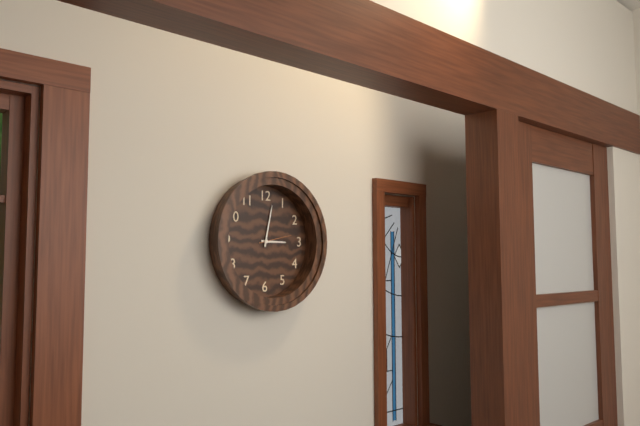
3:02
